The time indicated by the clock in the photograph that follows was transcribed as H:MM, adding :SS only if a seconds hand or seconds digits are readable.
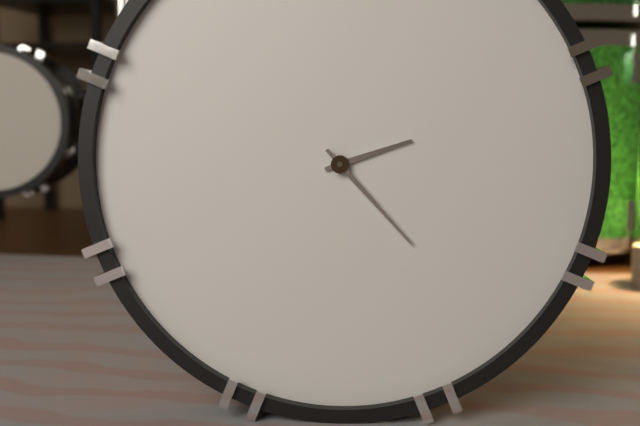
2:23
